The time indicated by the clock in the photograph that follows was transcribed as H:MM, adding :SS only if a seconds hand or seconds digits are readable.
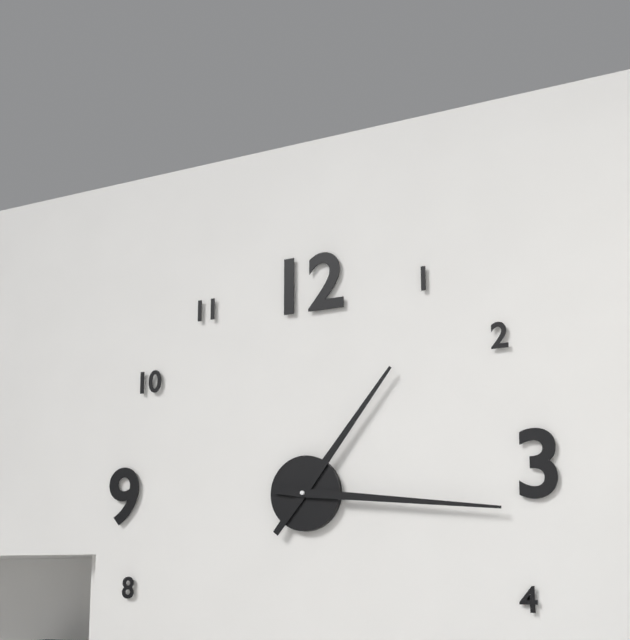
1:16
